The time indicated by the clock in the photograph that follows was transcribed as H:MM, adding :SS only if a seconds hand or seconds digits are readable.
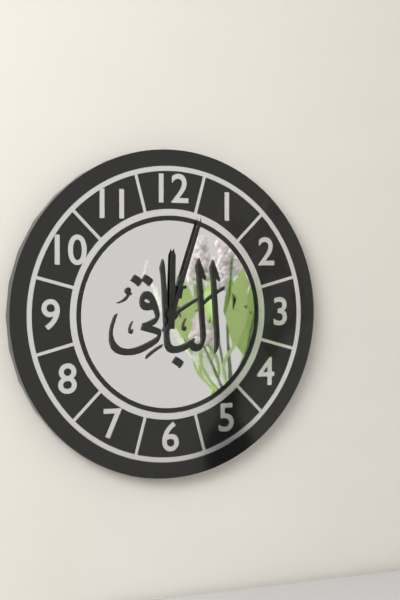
12:03
